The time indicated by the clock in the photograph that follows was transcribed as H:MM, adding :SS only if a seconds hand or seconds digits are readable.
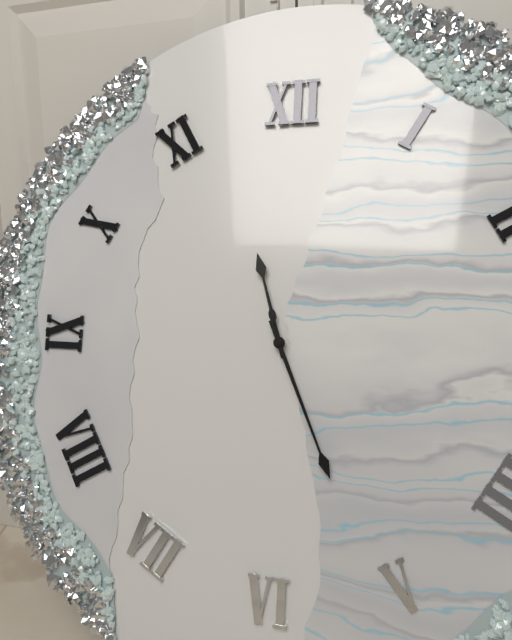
11:26
